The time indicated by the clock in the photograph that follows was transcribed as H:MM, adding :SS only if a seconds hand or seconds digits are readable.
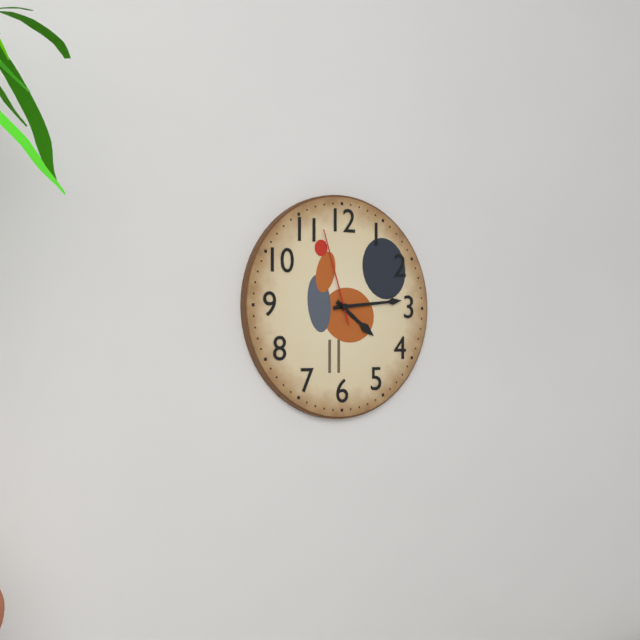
4:14:57
